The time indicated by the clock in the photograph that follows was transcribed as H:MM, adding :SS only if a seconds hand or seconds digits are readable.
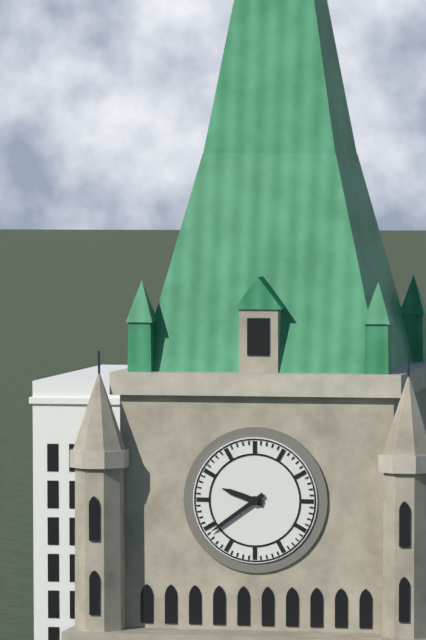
9:39
